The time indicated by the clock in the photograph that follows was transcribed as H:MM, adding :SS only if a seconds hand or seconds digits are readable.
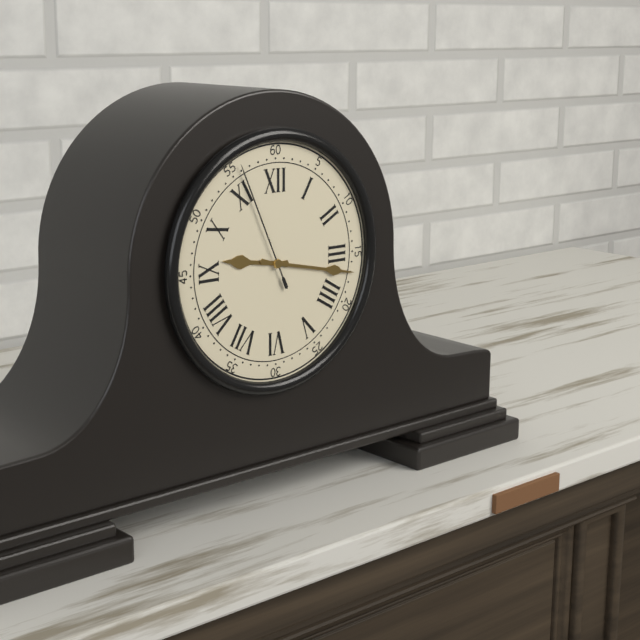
9:17:56
